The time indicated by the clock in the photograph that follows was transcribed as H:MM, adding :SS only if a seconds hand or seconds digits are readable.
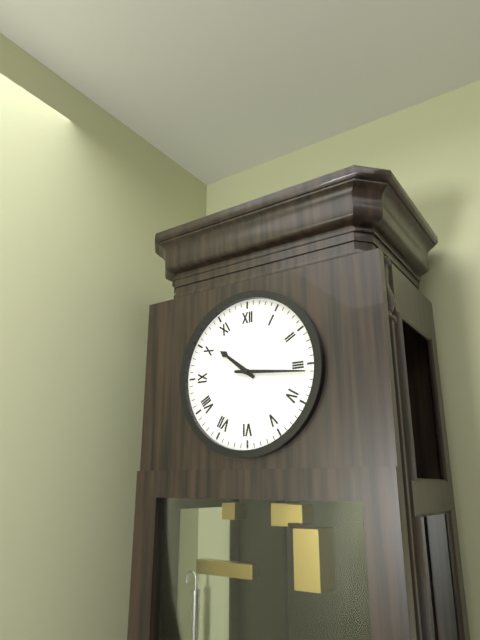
10:16
